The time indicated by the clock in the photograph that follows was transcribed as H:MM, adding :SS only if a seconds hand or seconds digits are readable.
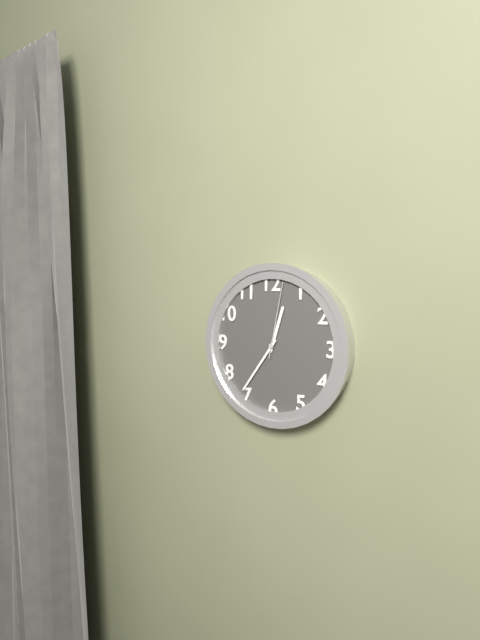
12:36:02
